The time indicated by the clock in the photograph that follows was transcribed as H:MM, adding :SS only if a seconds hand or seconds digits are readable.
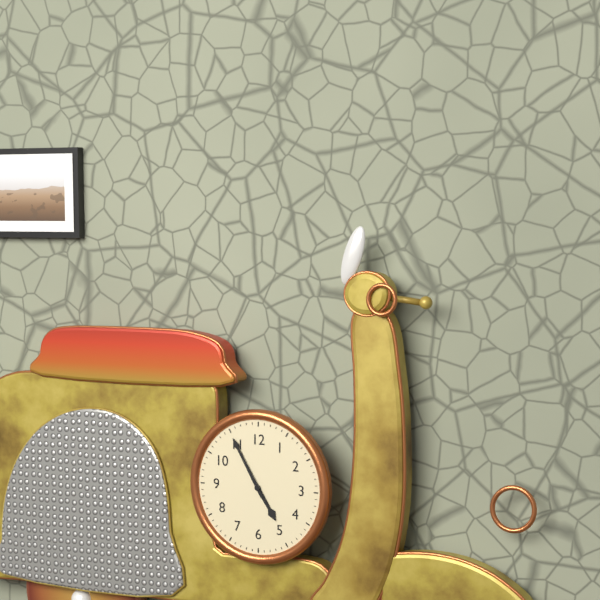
4:55
